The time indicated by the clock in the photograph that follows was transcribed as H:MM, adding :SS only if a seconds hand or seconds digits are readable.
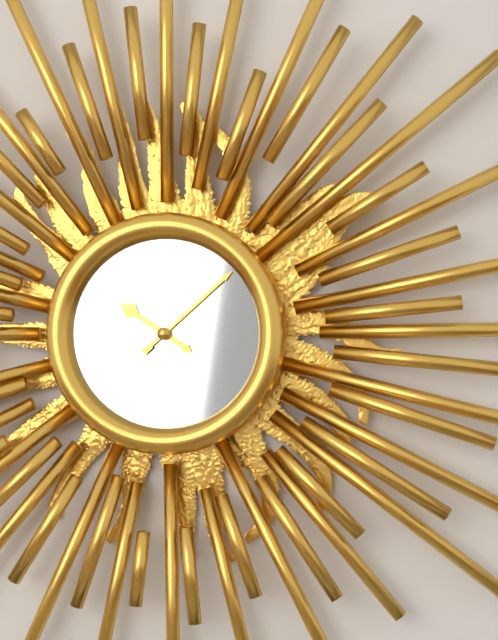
10:08
